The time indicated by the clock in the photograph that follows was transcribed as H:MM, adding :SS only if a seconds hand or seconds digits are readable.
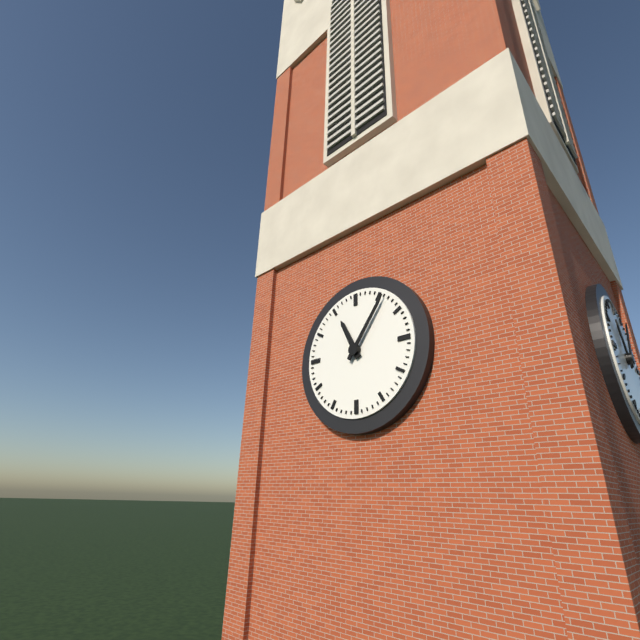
11:06
